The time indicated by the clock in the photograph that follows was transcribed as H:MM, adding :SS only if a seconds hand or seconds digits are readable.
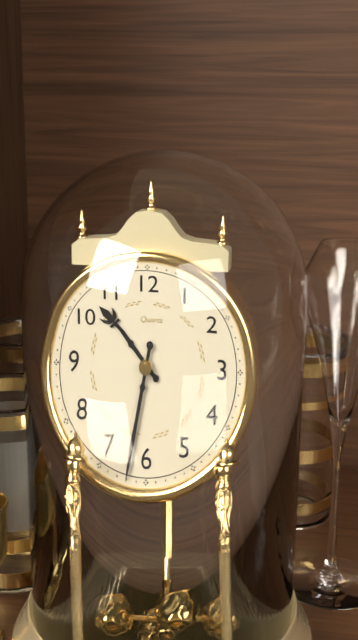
10:32
